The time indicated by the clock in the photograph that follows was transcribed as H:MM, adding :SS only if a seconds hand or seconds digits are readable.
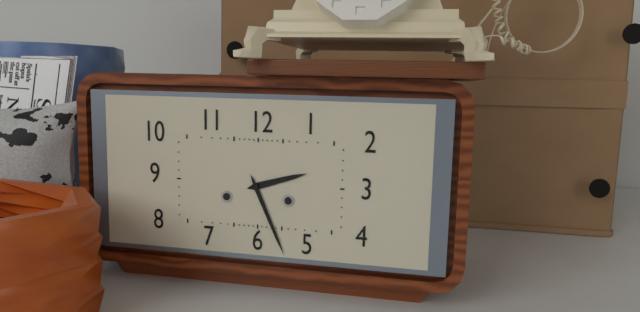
2:26
